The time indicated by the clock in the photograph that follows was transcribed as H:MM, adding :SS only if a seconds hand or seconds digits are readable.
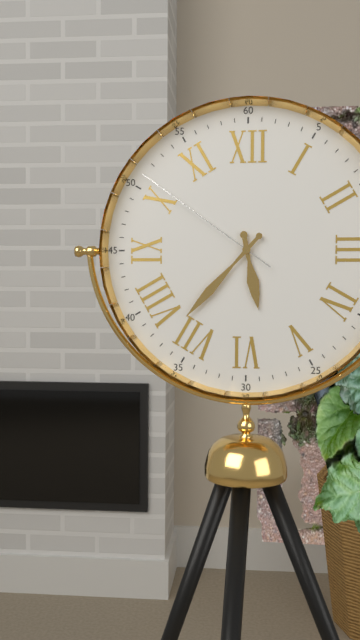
5:37:51
